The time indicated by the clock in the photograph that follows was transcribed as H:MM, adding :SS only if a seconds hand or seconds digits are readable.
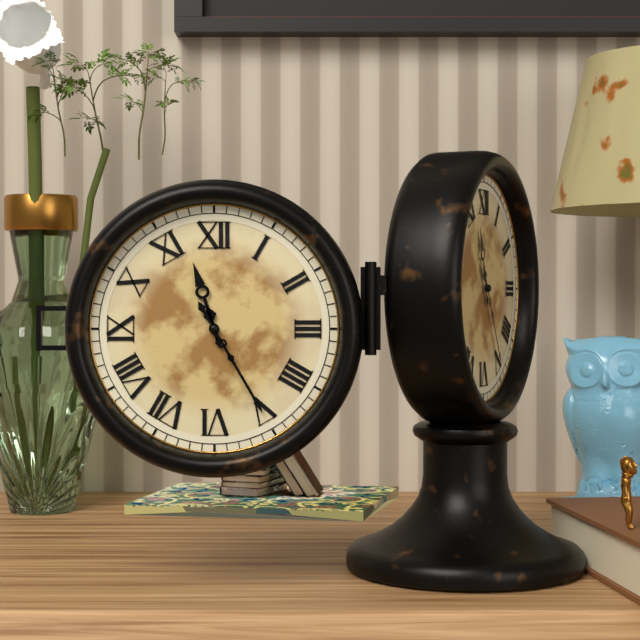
11:25
